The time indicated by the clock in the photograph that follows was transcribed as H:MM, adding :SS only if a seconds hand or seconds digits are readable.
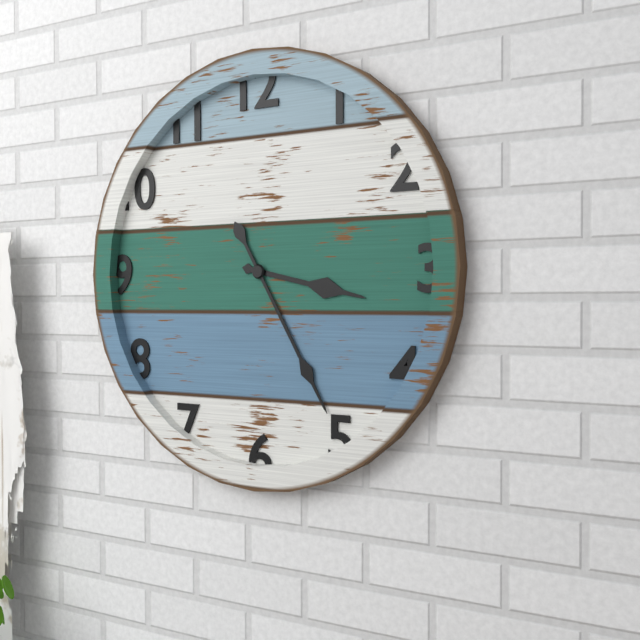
3:25
